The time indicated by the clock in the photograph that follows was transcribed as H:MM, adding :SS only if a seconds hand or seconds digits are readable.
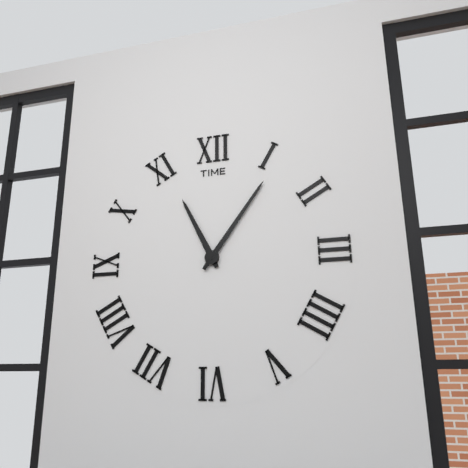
11:06
